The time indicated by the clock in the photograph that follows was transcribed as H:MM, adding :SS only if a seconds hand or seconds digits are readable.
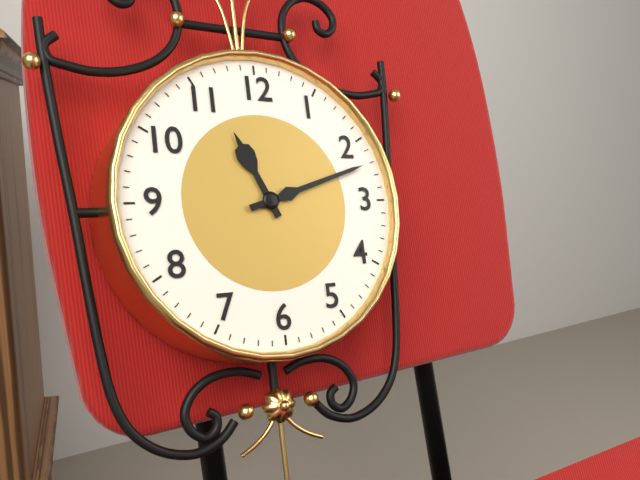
11:12
